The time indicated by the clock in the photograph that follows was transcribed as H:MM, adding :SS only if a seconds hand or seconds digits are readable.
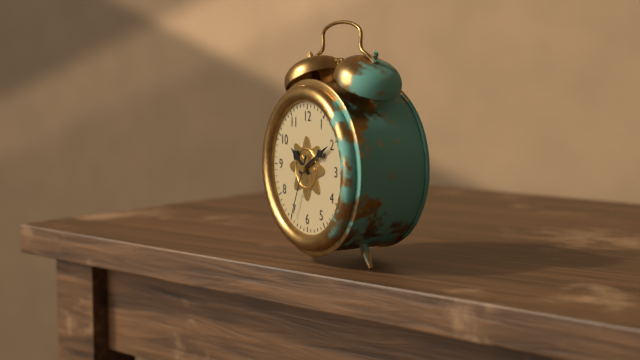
10:10:34
